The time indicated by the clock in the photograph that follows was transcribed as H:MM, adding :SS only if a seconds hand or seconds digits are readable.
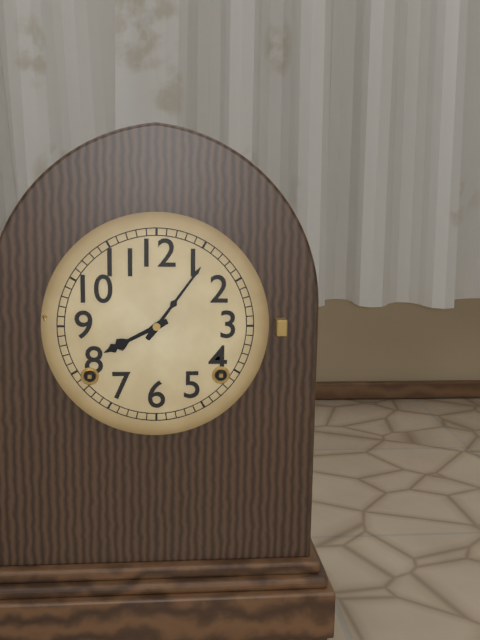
8:06
